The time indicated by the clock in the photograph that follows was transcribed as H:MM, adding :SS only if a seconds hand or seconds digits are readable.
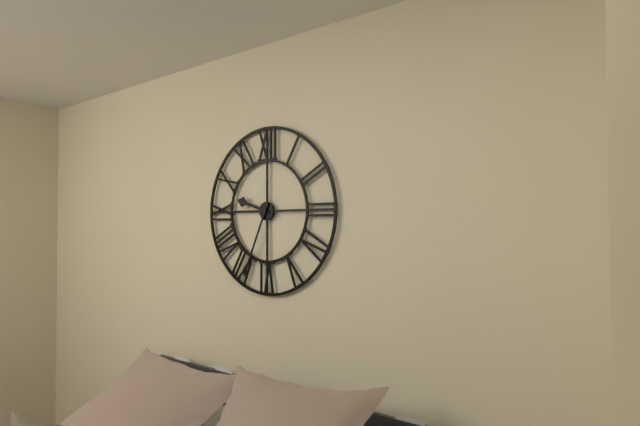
9:34
